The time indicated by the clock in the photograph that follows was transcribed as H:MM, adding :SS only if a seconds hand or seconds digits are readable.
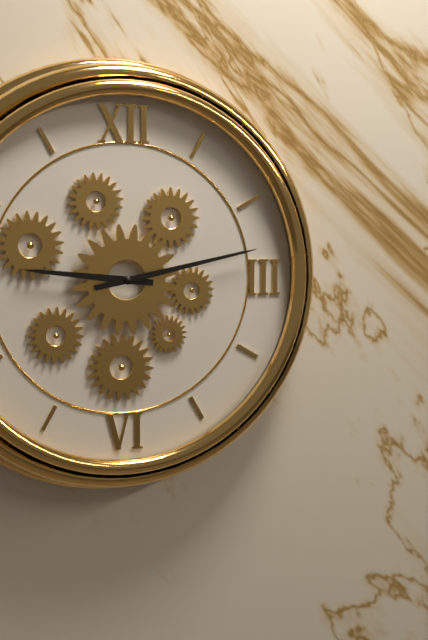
9:13
